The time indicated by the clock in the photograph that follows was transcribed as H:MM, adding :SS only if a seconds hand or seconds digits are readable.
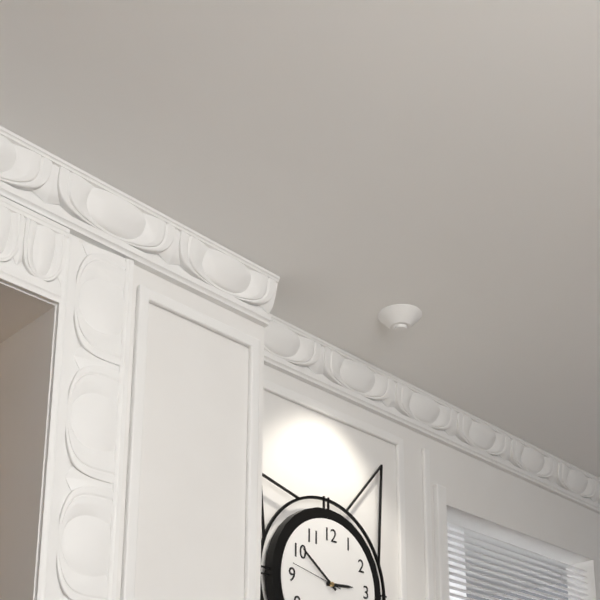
2:51
